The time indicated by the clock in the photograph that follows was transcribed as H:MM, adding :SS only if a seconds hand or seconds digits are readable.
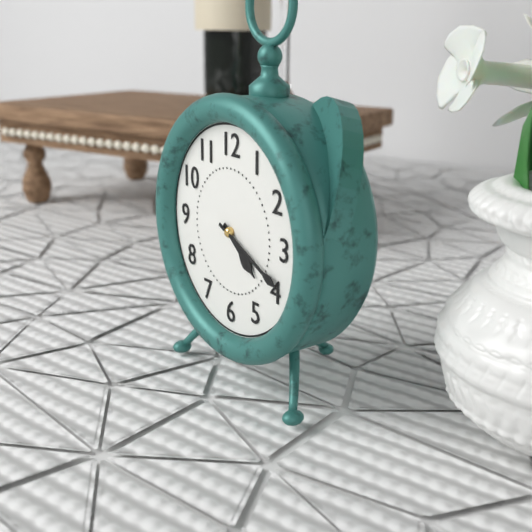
4:19
